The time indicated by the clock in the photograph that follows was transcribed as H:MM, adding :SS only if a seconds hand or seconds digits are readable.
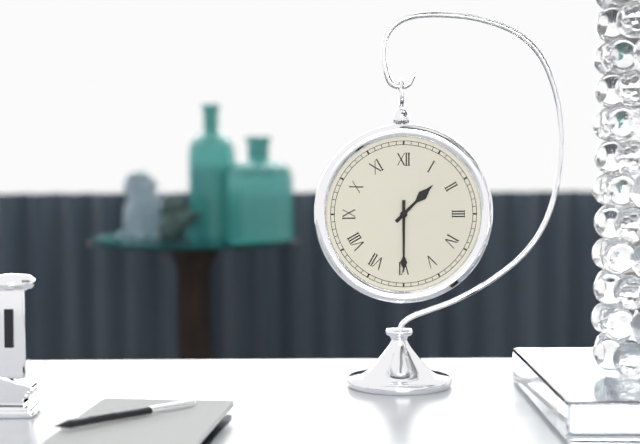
1:30
